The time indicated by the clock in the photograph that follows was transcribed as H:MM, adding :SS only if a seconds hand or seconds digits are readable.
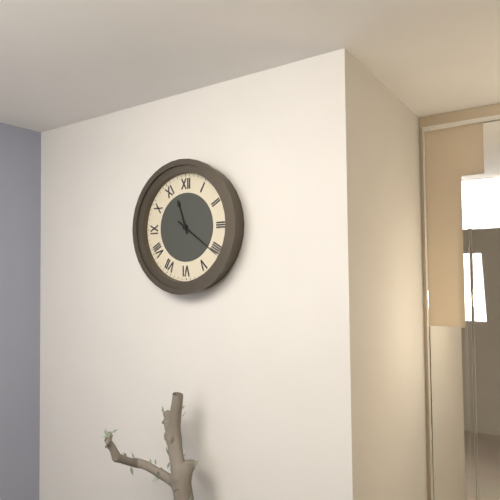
11:21
